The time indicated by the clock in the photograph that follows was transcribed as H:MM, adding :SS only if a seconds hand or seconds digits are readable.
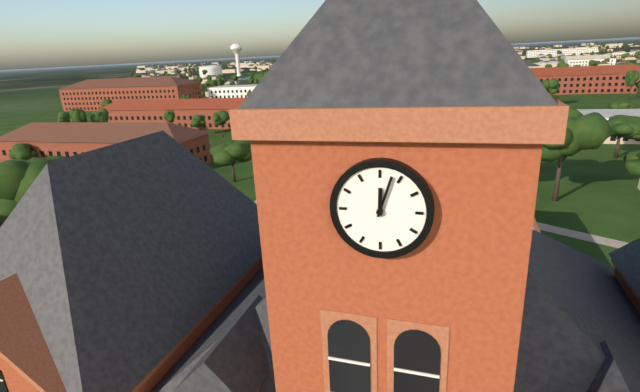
12:03
